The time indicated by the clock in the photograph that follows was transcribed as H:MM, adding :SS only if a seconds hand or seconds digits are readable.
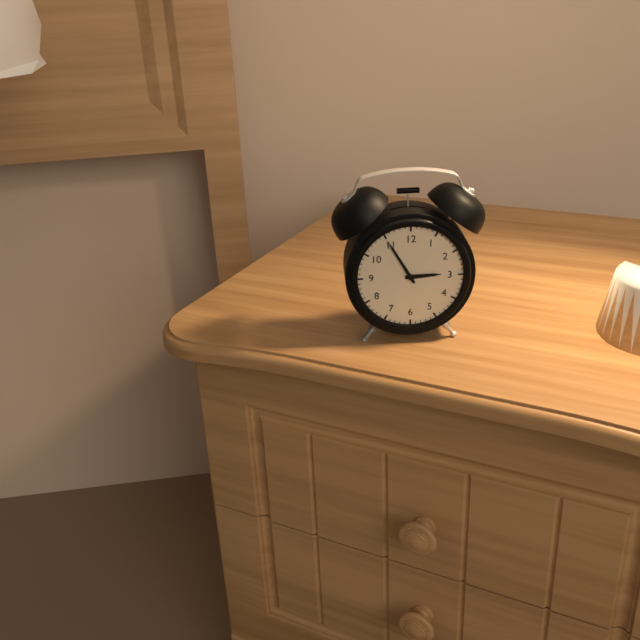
2:55
